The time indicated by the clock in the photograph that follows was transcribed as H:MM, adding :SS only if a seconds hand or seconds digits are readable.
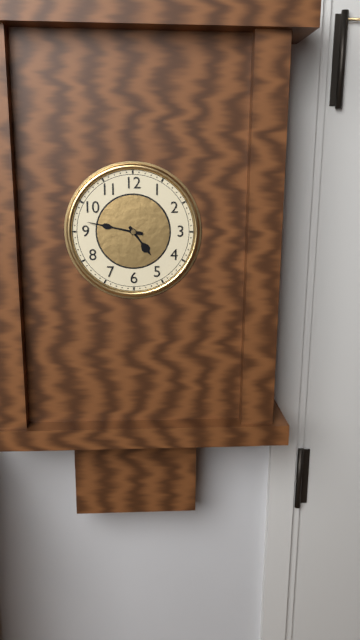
4:47
